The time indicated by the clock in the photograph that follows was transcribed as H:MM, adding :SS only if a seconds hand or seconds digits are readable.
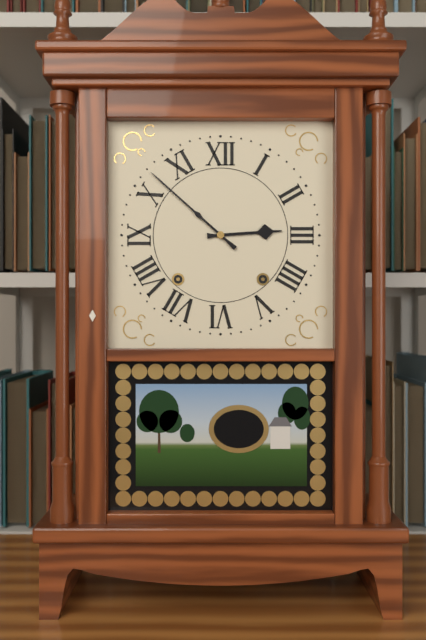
2:52
